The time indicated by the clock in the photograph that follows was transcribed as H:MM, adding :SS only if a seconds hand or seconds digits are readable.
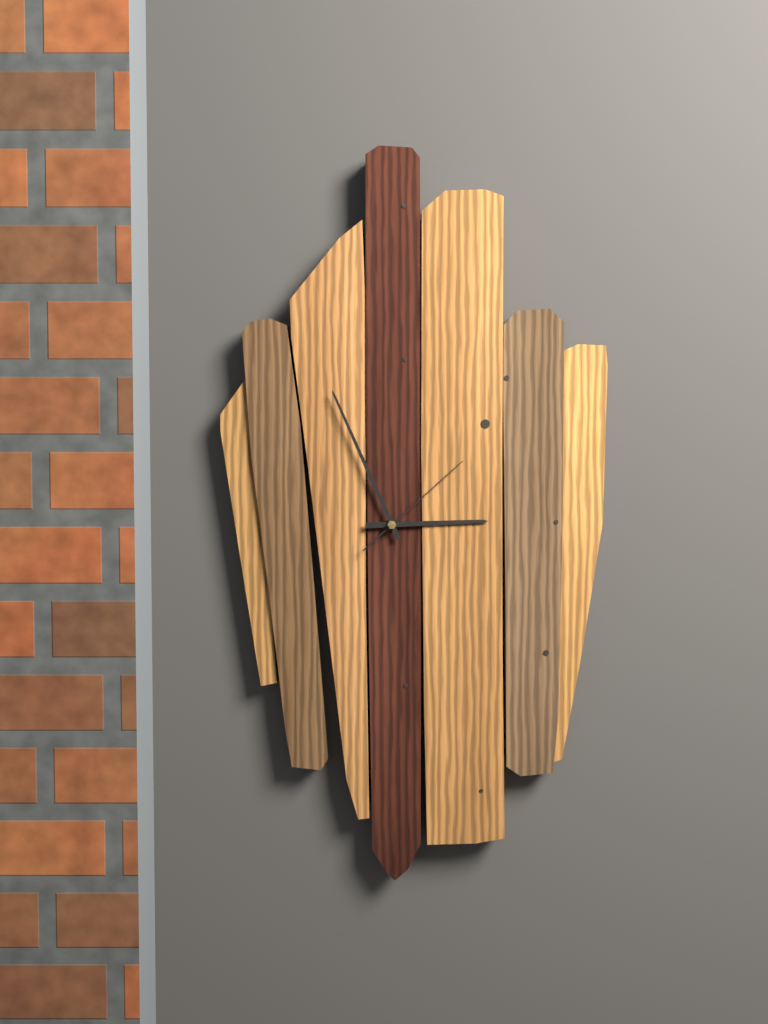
2:56:08
